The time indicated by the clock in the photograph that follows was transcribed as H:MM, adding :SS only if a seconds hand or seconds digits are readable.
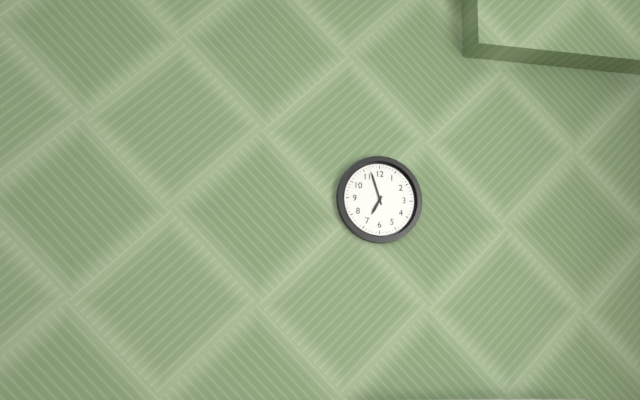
6:57
